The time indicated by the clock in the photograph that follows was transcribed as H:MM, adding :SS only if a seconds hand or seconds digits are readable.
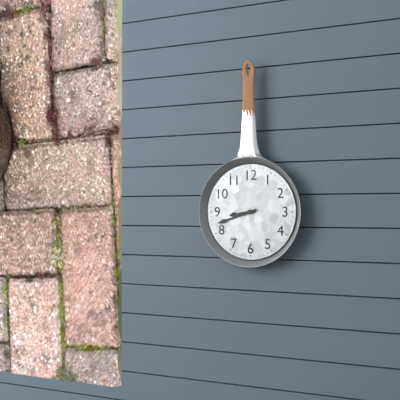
8:42
